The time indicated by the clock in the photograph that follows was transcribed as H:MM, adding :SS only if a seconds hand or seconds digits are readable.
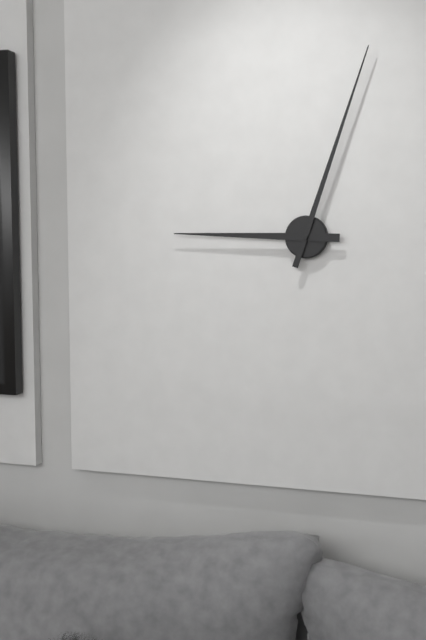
9:03
